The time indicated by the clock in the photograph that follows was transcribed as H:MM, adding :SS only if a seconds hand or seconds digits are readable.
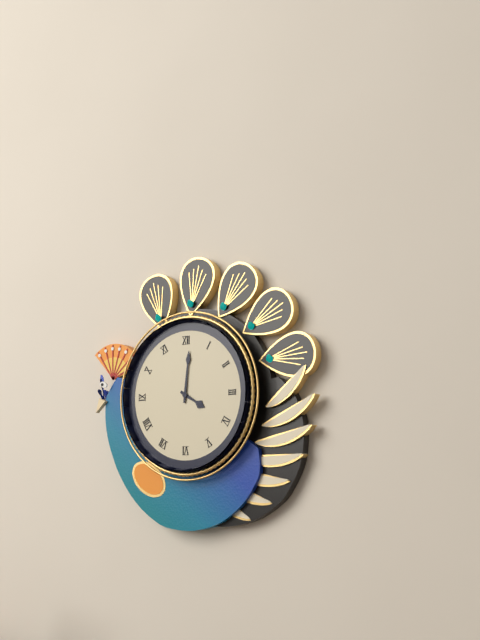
4:01
